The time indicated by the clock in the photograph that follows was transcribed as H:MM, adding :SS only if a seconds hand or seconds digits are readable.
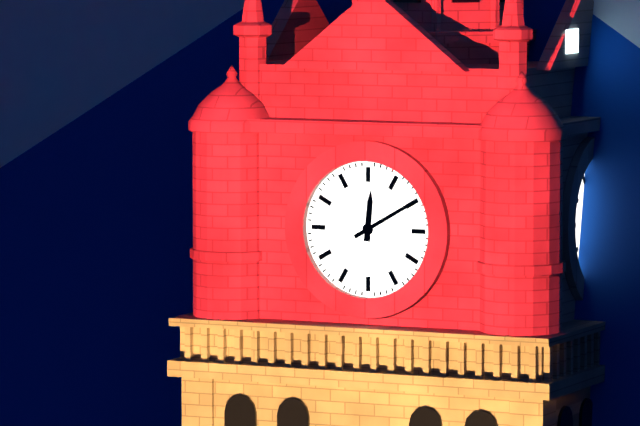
12:10
